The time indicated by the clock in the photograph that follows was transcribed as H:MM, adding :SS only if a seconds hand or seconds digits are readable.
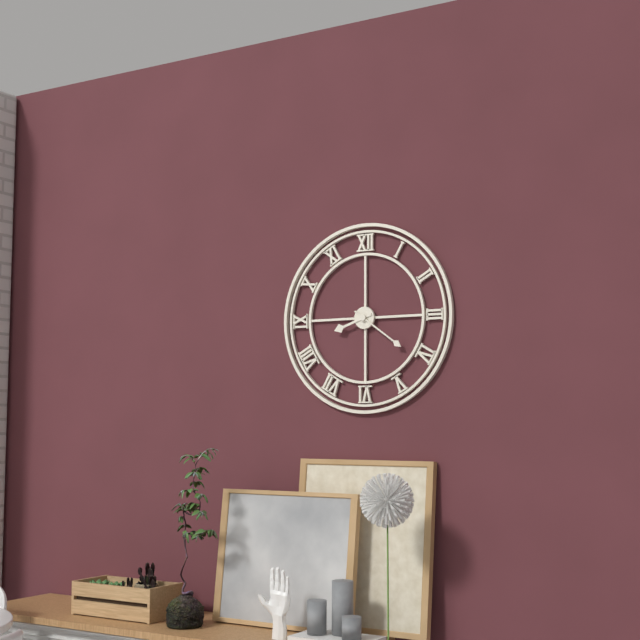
8:21
